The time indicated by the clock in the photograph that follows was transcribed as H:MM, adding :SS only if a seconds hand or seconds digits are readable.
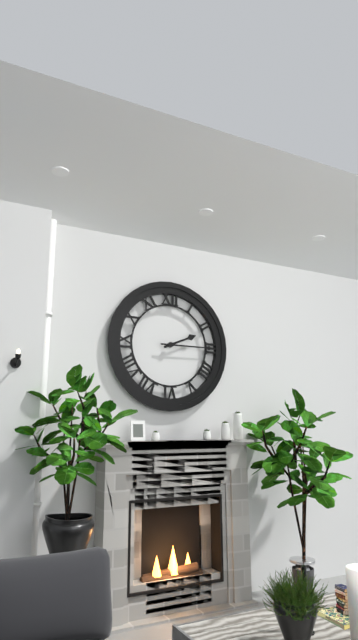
2:15
